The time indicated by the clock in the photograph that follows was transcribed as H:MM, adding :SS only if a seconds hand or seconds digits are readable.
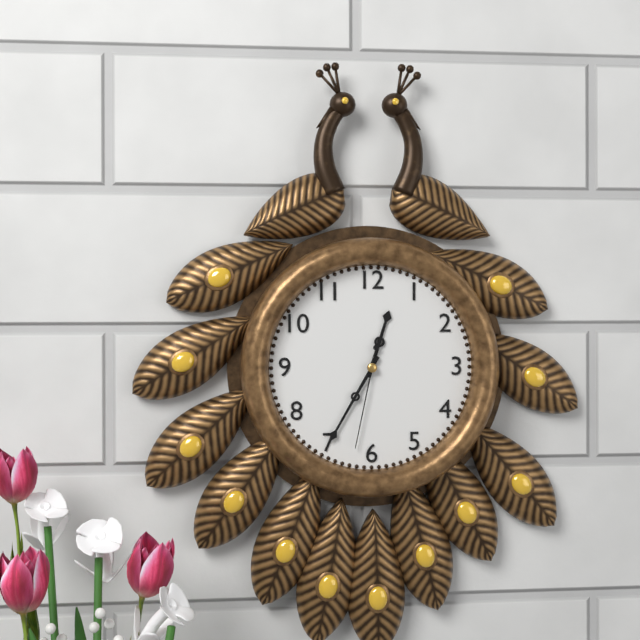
12:35:32
